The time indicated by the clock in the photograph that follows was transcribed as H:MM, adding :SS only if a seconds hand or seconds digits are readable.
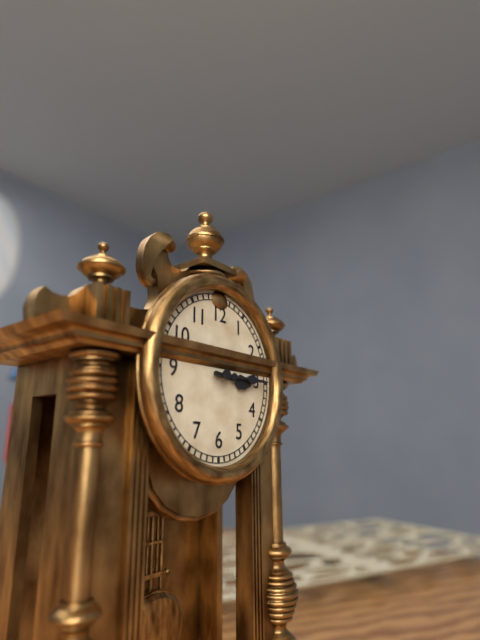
3:15
